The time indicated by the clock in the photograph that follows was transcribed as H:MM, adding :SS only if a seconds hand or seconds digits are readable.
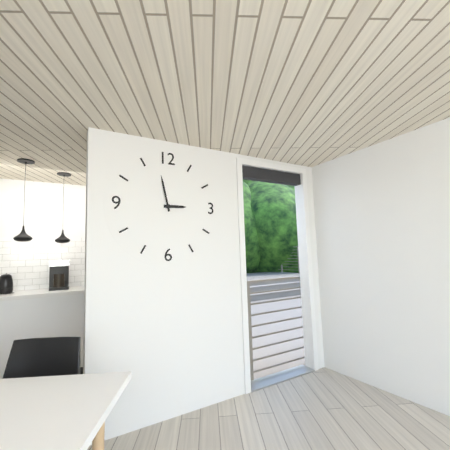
2:58
